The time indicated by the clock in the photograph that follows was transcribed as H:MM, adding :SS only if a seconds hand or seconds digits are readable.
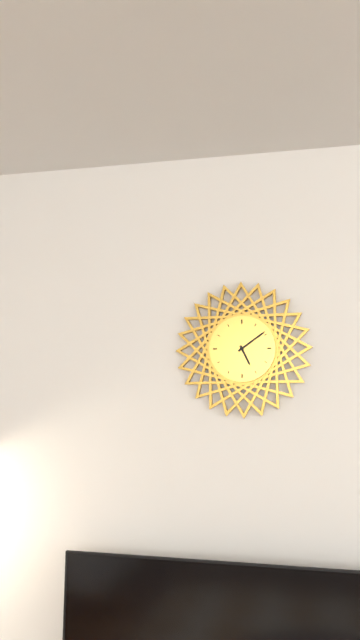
5:09
